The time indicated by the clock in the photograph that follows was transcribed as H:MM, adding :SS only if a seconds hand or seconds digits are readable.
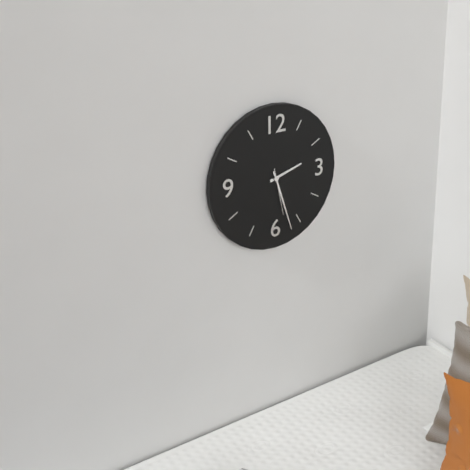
2:27
